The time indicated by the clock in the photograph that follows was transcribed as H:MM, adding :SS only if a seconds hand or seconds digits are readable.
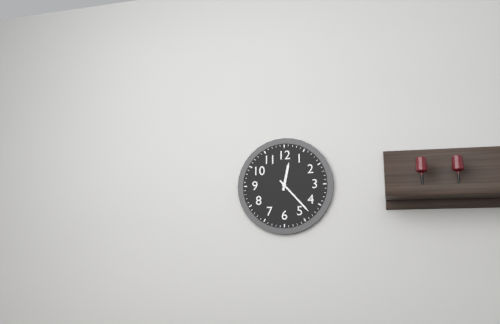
12:23
